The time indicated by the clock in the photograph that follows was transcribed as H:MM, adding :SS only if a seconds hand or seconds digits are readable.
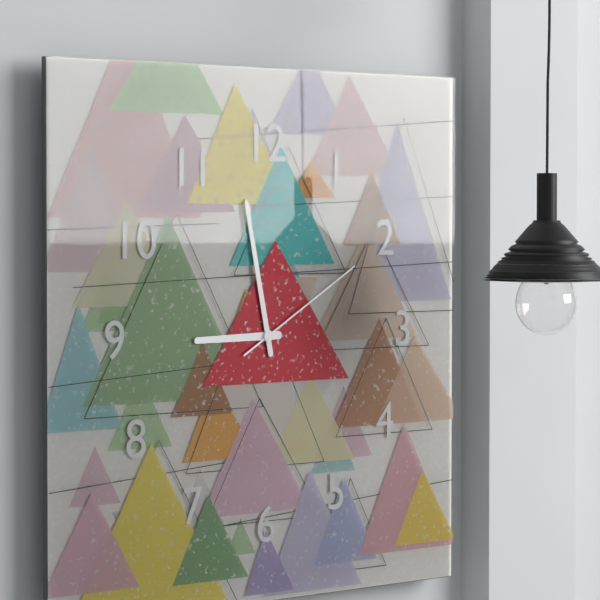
8:58:10
